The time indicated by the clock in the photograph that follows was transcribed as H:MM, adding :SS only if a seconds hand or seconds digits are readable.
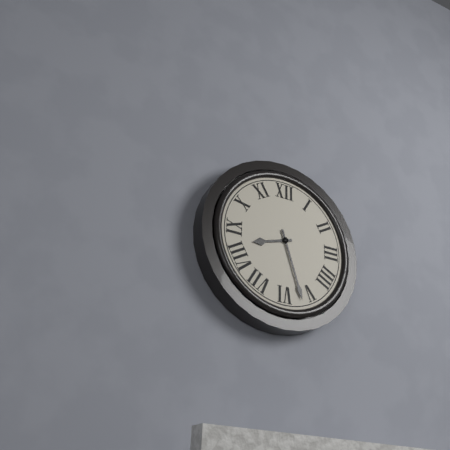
8:27
